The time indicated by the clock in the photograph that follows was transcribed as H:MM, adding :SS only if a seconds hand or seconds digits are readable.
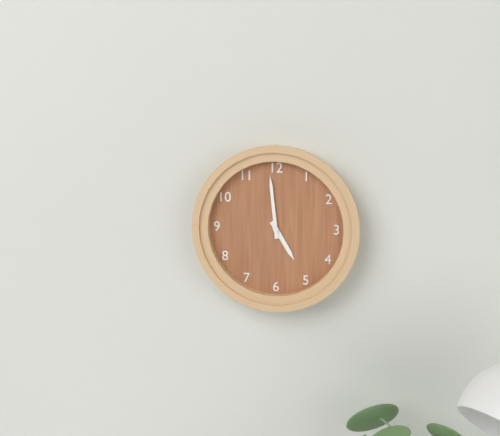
4:59
